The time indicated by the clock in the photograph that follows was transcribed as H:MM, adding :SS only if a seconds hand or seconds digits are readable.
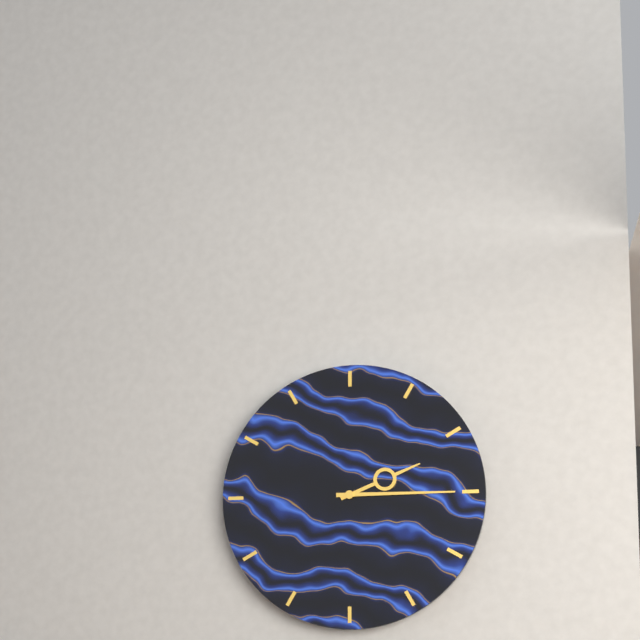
2:15
